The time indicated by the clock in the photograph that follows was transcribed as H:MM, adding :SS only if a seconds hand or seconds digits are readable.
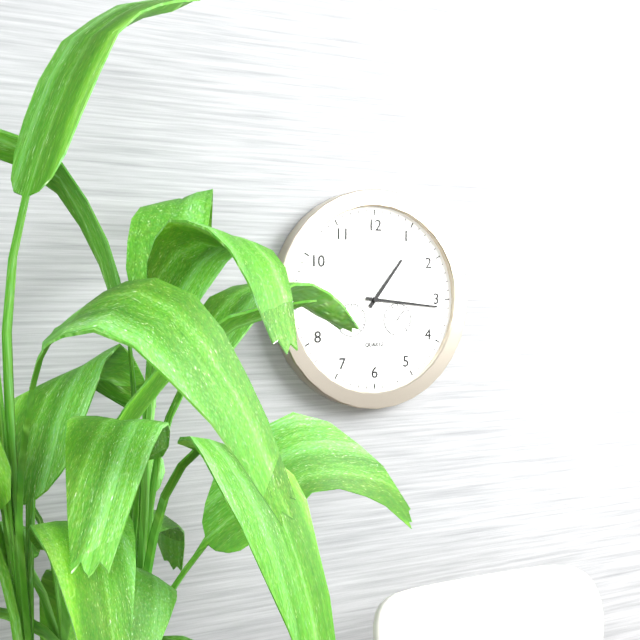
1:16:53
